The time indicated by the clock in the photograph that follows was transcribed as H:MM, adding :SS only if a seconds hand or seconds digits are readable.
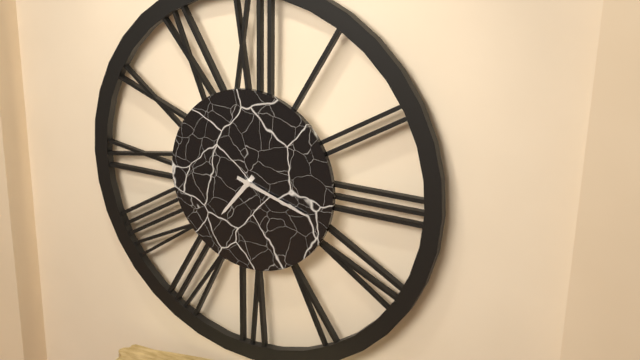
7:18
